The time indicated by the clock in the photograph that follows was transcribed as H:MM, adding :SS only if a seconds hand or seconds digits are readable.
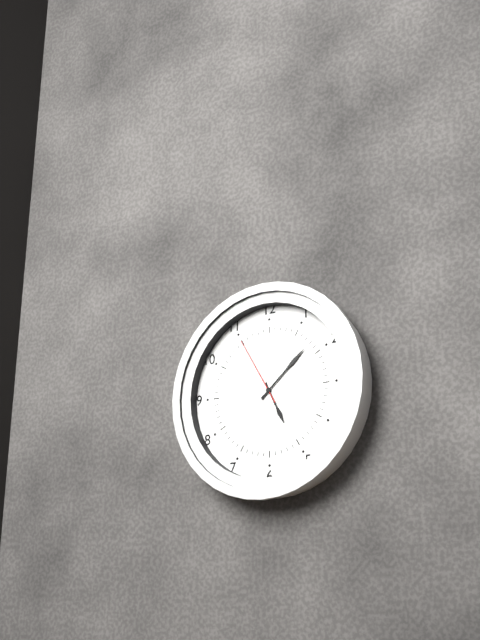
5:08:55
